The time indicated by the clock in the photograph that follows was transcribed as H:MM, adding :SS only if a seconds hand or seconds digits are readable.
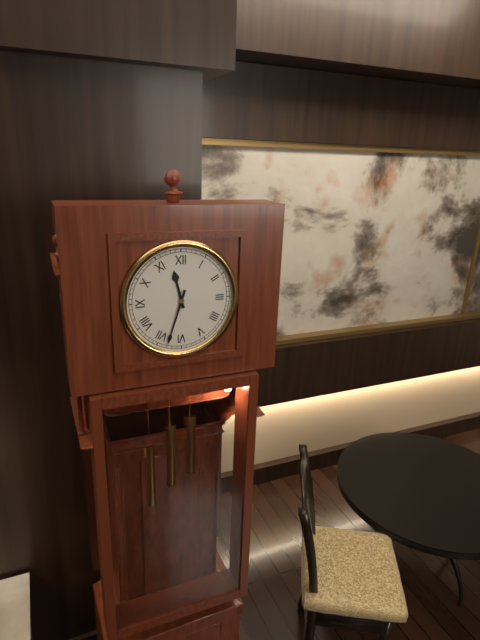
11:33
